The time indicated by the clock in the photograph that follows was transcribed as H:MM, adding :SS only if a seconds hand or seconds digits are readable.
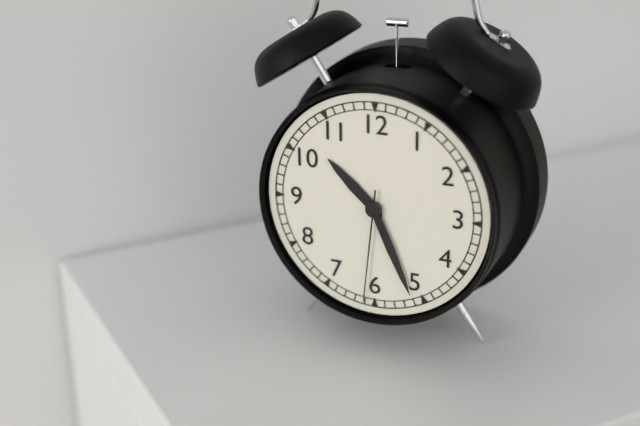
10:26:31
